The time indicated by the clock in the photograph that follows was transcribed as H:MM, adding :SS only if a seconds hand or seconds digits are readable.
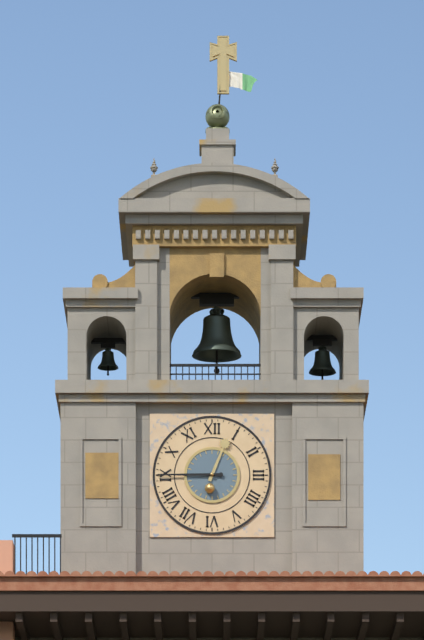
12:45
